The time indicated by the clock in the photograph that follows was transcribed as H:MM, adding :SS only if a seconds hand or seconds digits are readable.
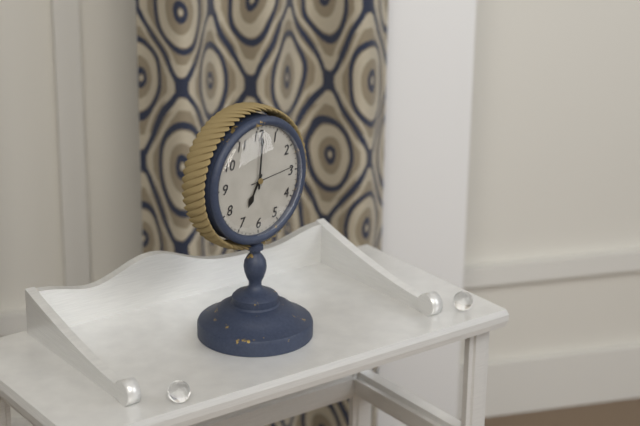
7:01
